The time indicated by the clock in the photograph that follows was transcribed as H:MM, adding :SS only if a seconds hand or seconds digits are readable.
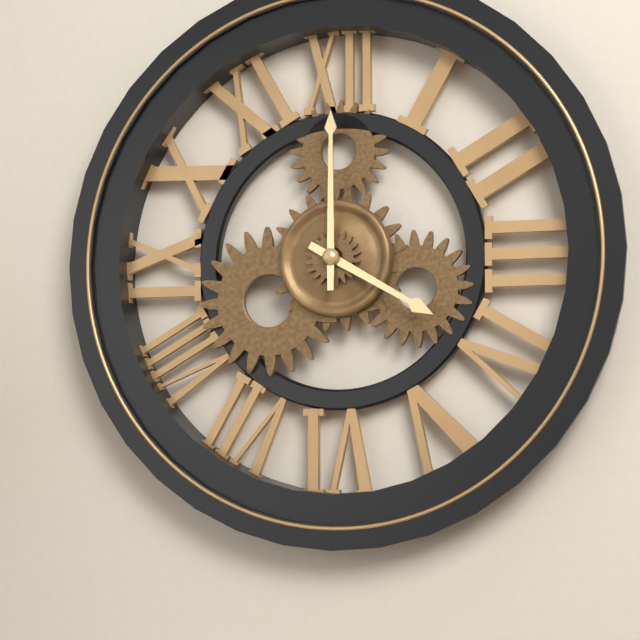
4:00
